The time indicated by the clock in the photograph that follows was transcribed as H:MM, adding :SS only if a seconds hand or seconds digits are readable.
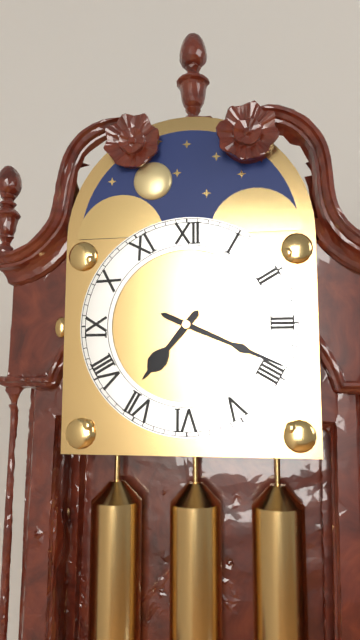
7:19
